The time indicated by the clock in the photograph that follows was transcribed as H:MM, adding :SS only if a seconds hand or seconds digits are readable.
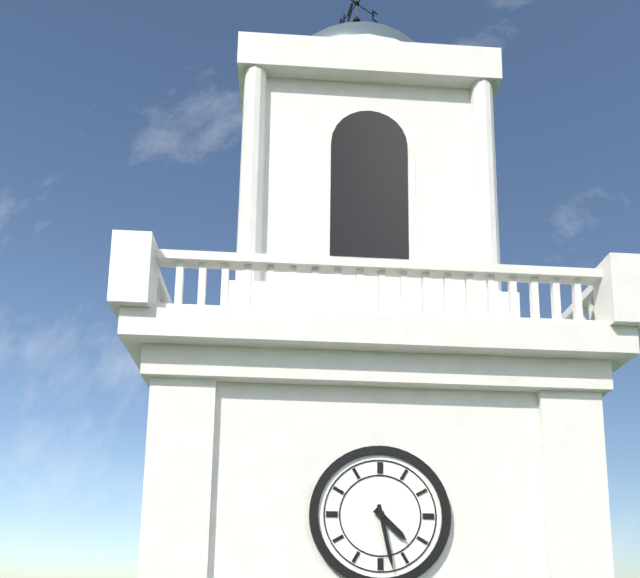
4:28
